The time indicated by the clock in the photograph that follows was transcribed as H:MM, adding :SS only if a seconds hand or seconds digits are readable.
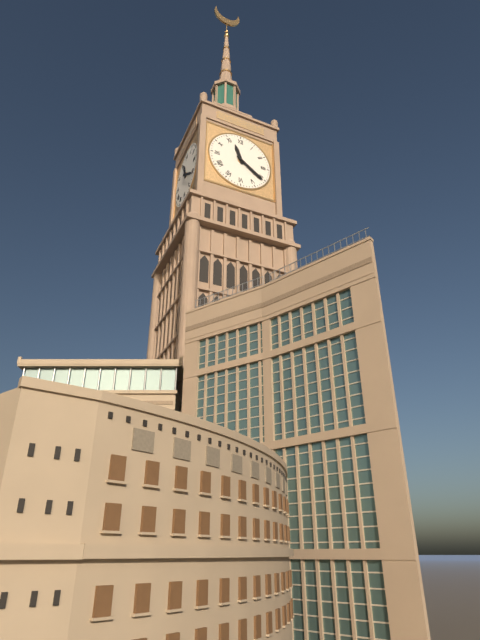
11:21
